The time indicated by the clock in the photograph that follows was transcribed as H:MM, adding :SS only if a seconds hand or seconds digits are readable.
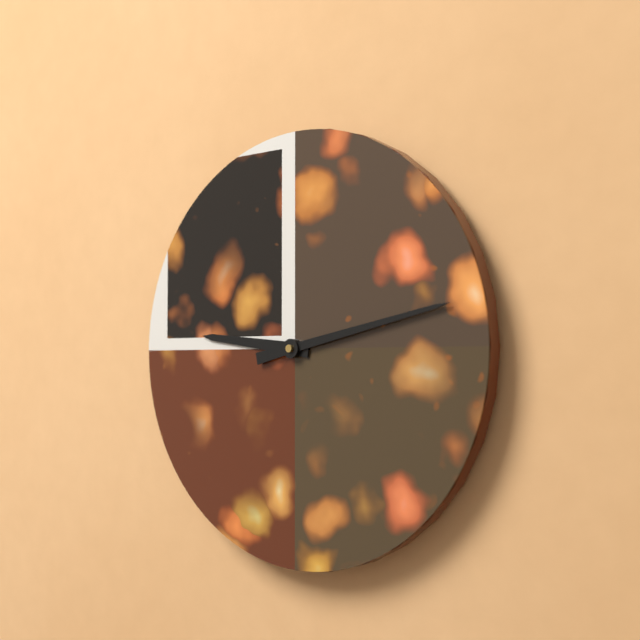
9:13
